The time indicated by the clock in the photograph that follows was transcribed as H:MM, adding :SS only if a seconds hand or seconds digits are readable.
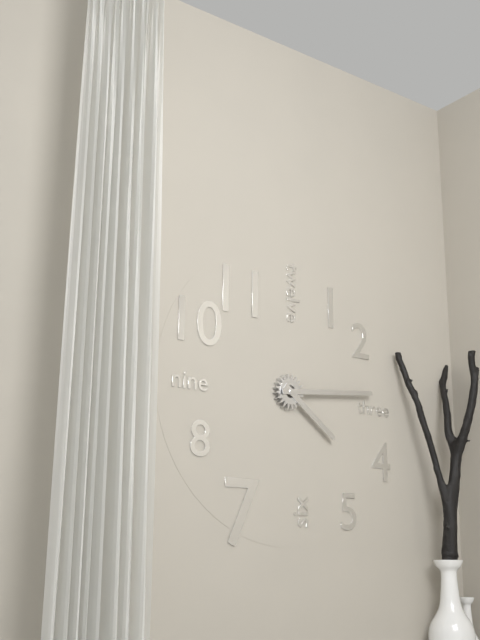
4:14
